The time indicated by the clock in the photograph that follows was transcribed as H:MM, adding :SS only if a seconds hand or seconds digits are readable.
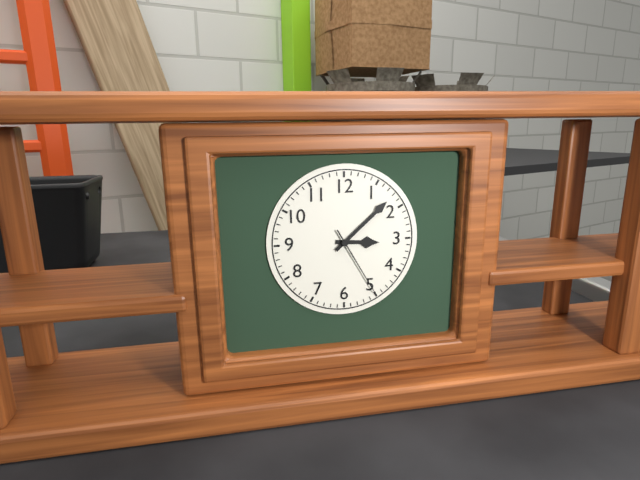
3:08:25
